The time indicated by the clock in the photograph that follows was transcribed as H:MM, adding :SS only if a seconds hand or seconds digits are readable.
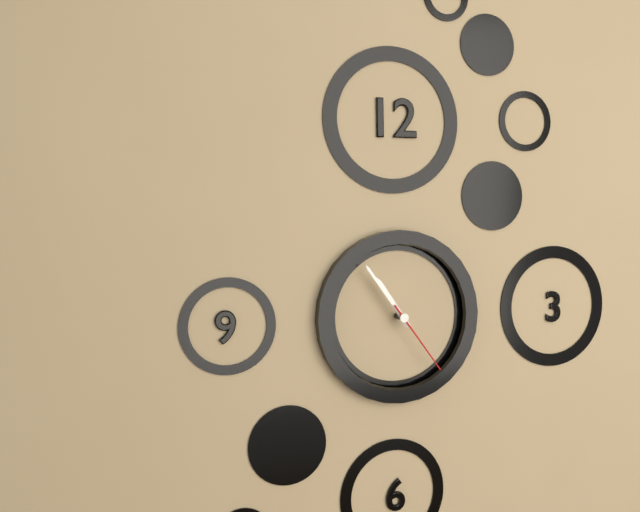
10:54:24
